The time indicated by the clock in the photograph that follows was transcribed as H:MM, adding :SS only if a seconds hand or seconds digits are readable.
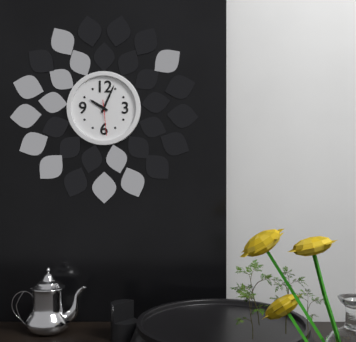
10:04
